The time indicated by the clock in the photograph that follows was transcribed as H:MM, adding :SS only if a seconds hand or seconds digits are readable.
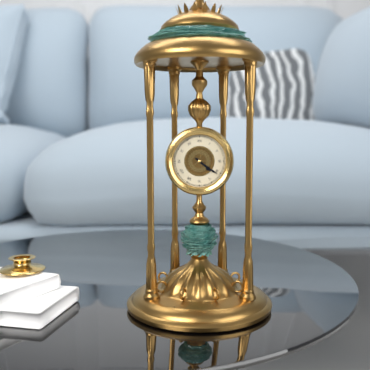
4:21
